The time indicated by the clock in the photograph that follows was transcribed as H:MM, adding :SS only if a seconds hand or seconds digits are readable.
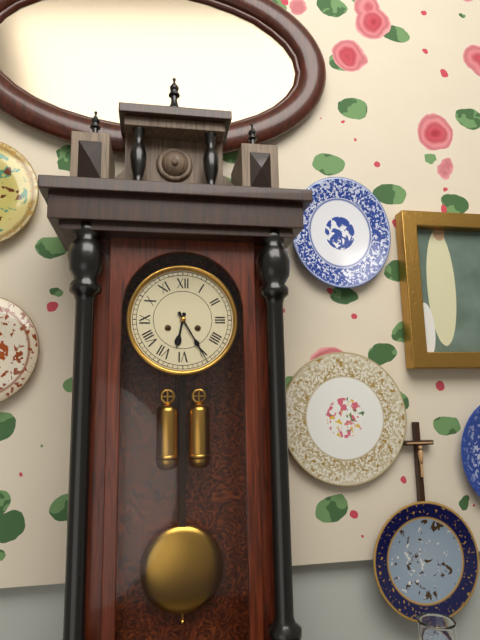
6:25
